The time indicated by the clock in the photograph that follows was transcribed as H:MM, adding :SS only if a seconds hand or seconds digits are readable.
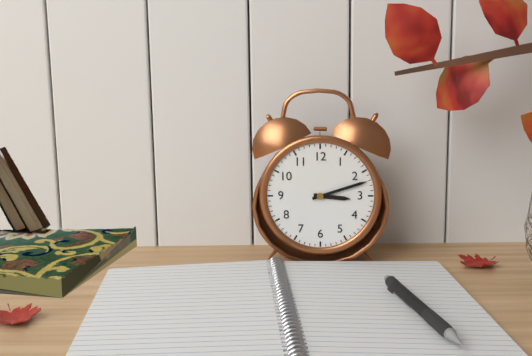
3:12
